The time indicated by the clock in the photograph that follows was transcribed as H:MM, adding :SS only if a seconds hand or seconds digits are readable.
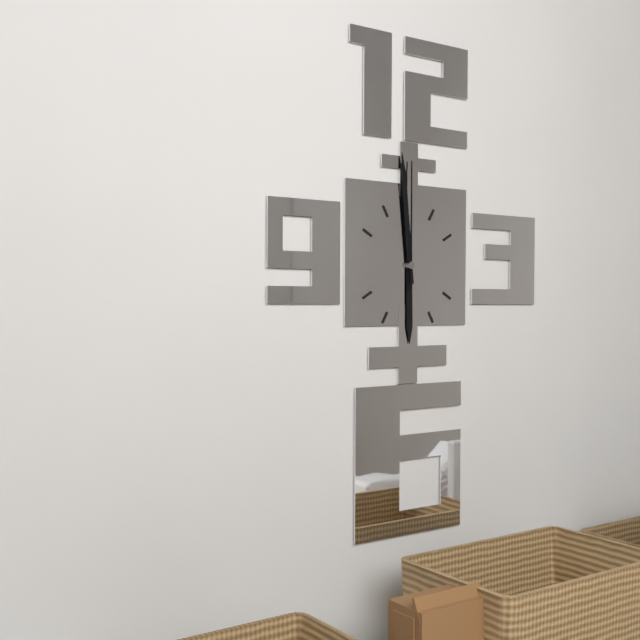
5:59:00
